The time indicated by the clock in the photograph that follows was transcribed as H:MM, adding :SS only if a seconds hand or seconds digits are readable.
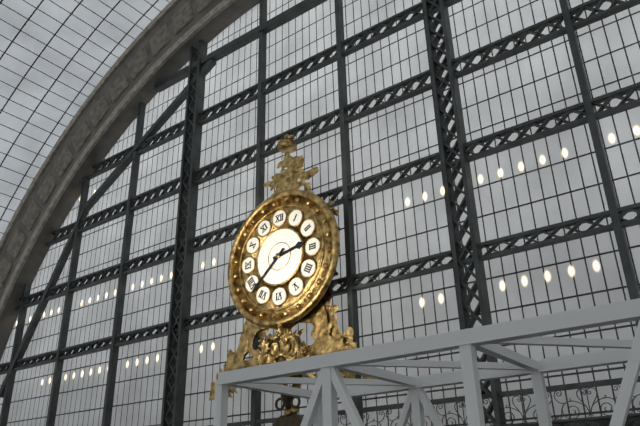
2:38
